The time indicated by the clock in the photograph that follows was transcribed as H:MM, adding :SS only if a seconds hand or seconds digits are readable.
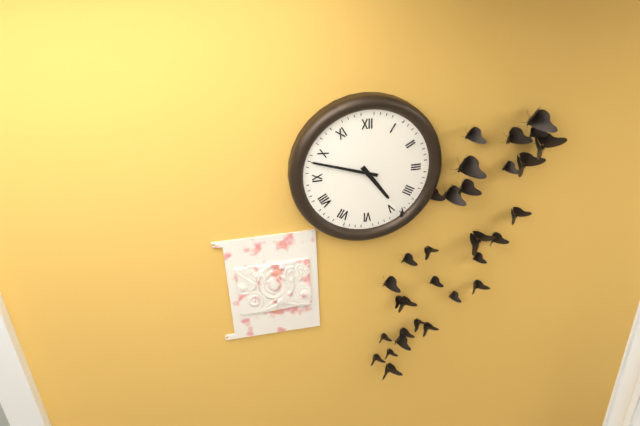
4:48
